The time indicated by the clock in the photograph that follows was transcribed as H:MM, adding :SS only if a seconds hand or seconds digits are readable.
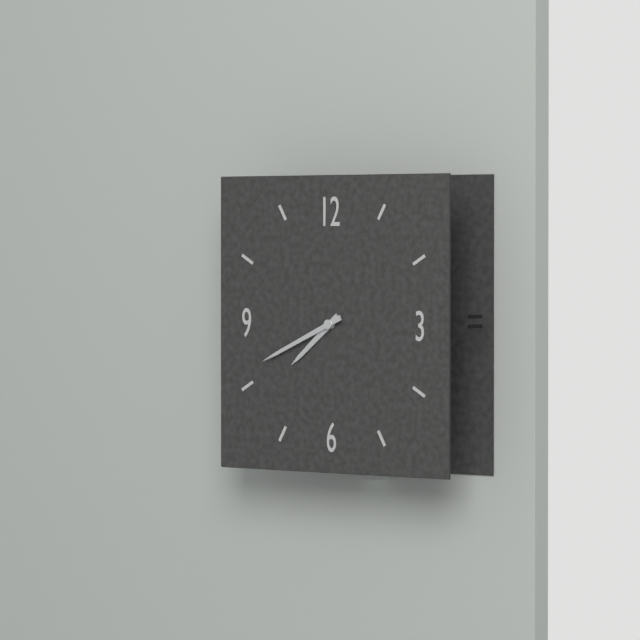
7:41
